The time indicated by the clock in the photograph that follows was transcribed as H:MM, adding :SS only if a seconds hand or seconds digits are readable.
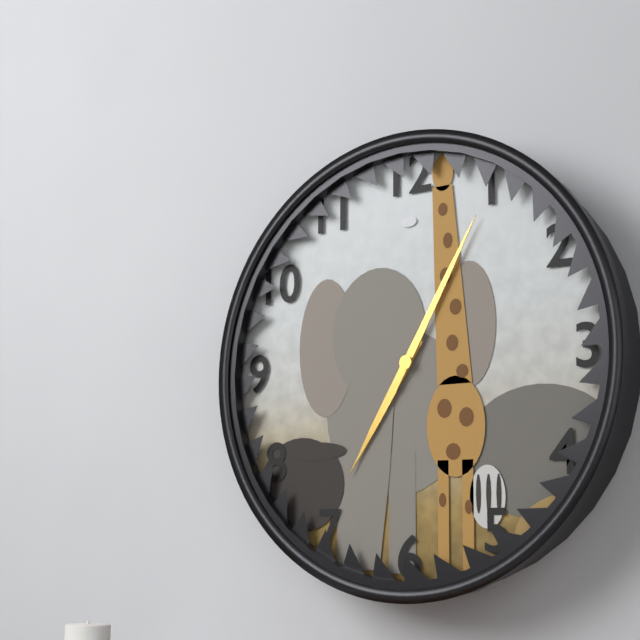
7:05
